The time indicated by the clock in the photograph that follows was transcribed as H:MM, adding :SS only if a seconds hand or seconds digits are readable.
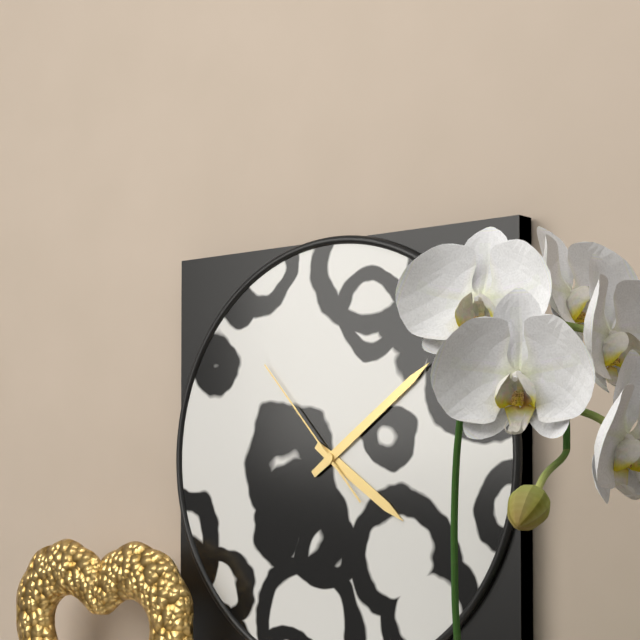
4:09:53
